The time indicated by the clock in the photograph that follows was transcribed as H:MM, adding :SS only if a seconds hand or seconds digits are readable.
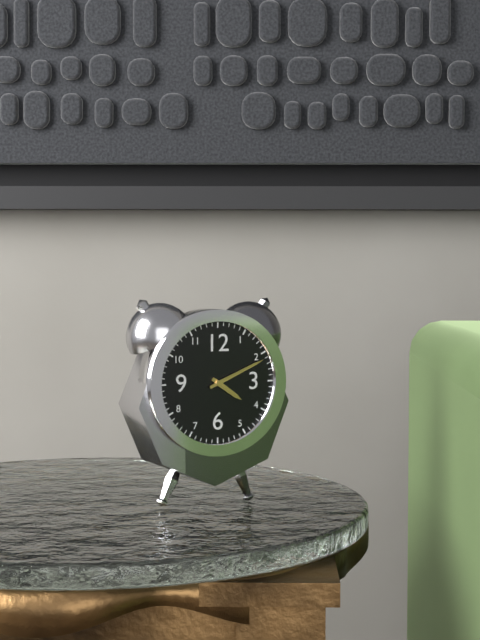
4:11
